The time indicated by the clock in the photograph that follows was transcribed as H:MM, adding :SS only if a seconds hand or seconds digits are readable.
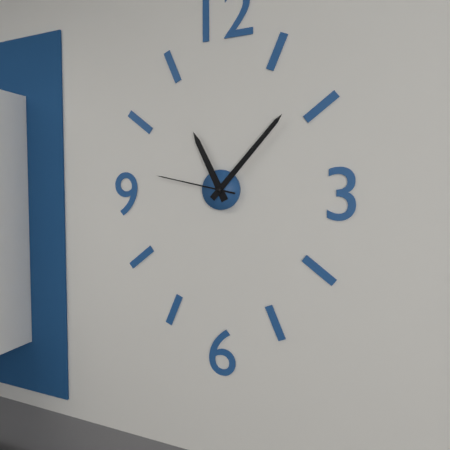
11:07:47
